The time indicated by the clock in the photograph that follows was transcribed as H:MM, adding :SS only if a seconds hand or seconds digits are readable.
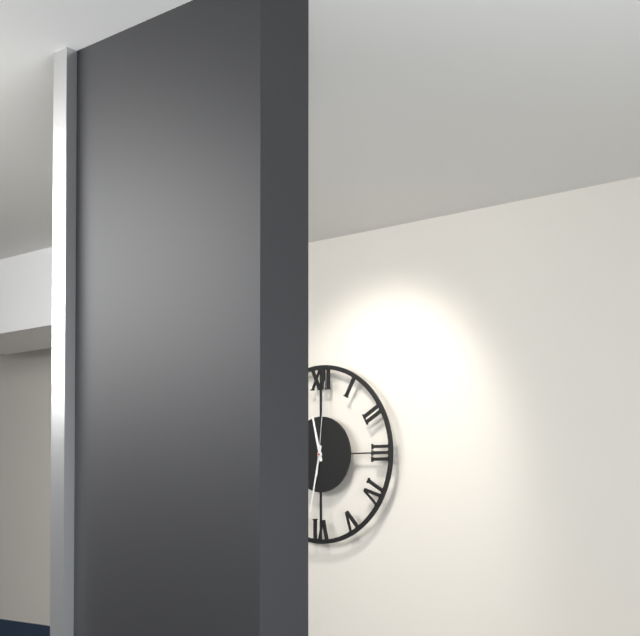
11:32:01
